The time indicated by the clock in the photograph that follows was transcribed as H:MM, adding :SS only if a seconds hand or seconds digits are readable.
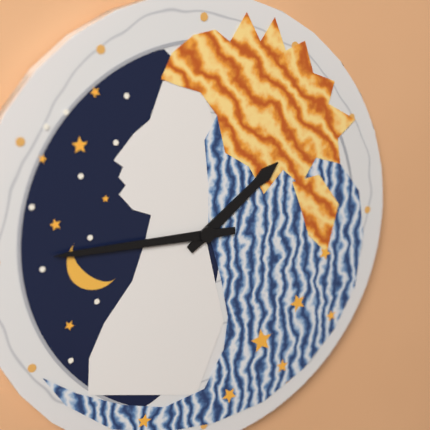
1:45
